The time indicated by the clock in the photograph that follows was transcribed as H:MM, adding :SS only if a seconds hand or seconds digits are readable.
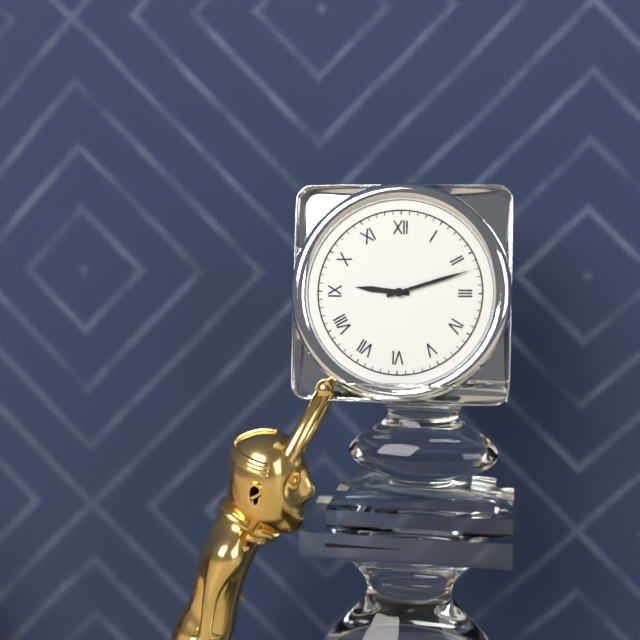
9:12
